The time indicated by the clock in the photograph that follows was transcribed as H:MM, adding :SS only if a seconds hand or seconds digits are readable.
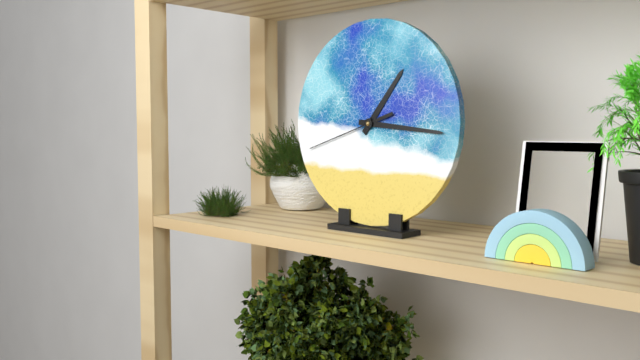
1:16:42
